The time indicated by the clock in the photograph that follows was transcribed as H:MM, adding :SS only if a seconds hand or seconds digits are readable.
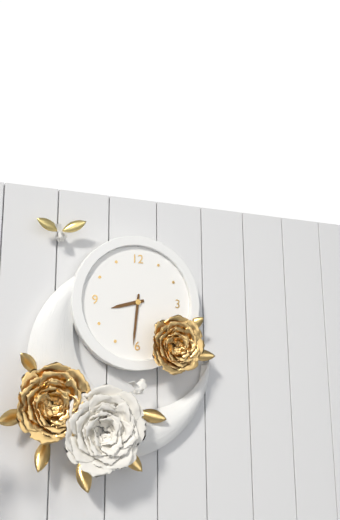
8:31
